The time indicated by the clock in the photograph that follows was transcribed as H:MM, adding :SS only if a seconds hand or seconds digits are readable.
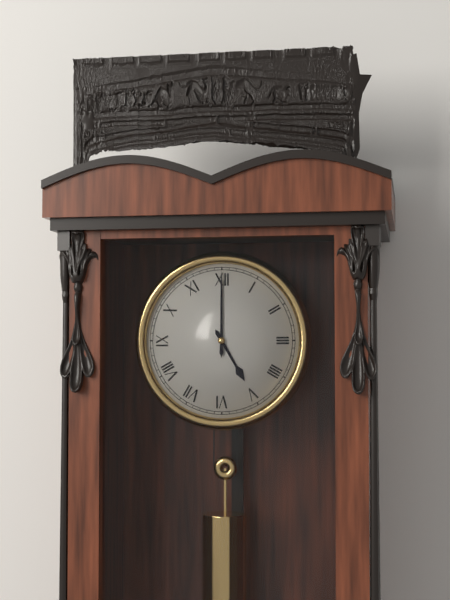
5:00
